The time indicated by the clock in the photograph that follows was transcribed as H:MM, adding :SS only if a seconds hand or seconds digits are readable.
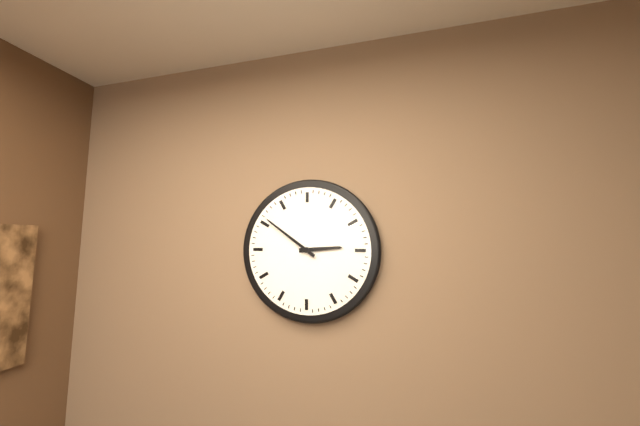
2:51
